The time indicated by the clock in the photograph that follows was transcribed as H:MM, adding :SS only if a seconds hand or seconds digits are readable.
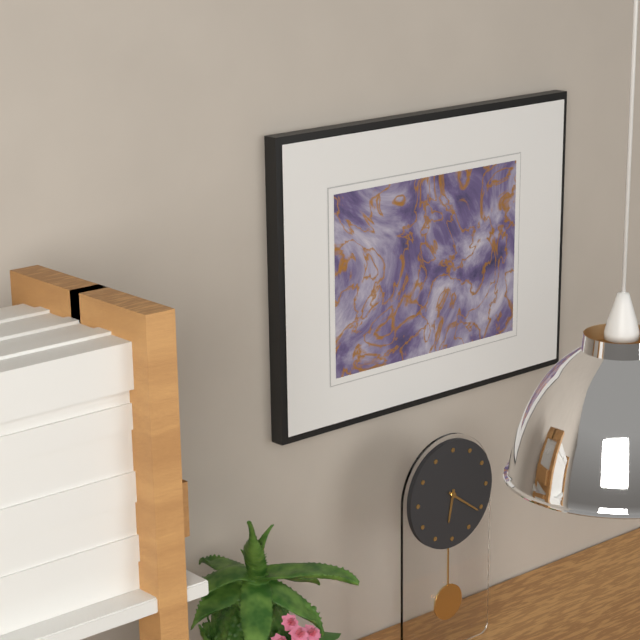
6:21
